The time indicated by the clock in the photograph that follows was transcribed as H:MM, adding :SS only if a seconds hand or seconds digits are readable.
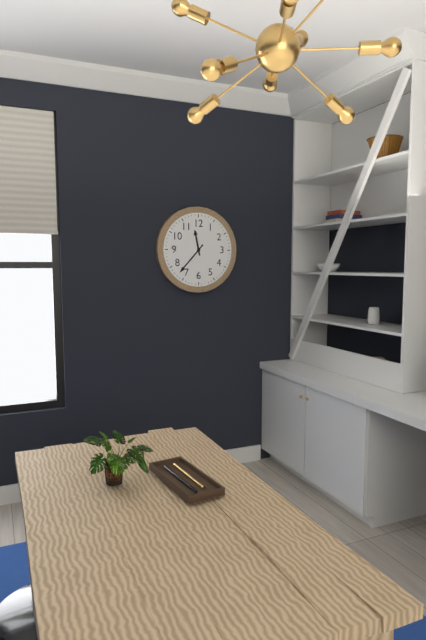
11:37
